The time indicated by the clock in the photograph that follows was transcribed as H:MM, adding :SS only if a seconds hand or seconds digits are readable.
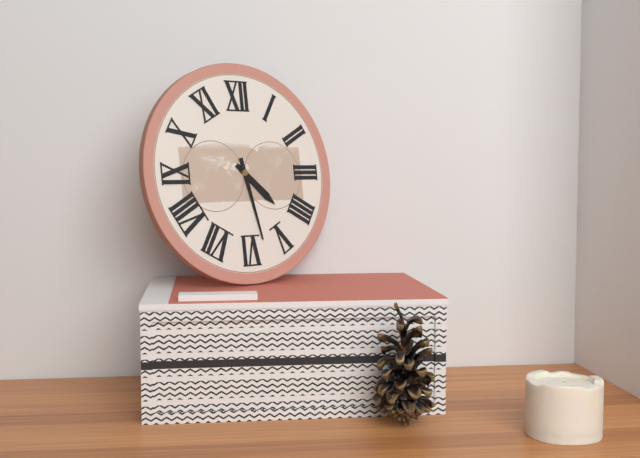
4:28
